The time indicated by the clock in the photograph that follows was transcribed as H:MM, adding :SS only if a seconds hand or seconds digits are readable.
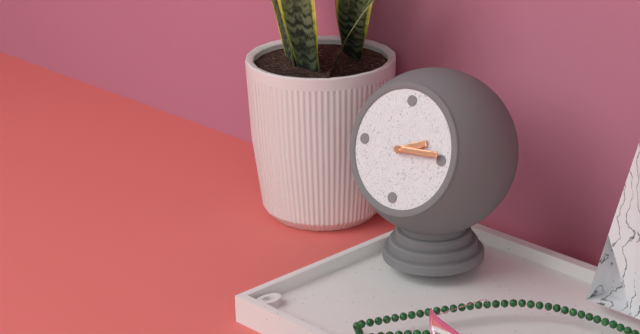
2:14
